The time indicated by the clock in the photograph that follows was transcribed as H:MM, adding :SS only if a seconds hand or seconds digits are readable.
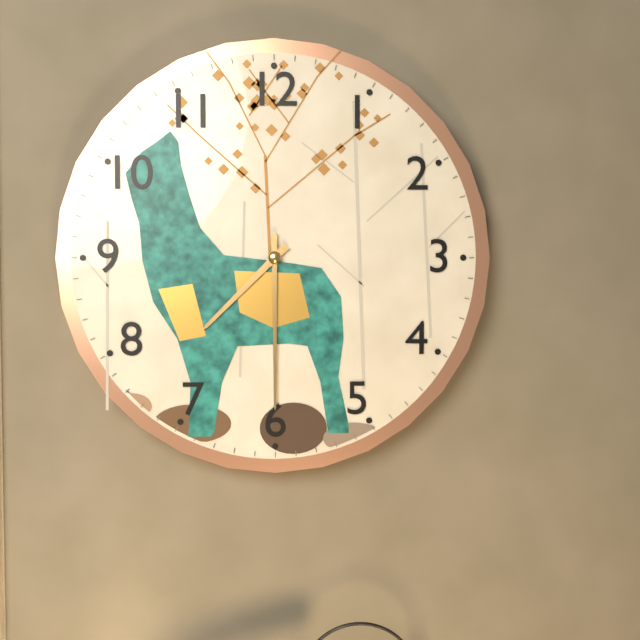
7:30
